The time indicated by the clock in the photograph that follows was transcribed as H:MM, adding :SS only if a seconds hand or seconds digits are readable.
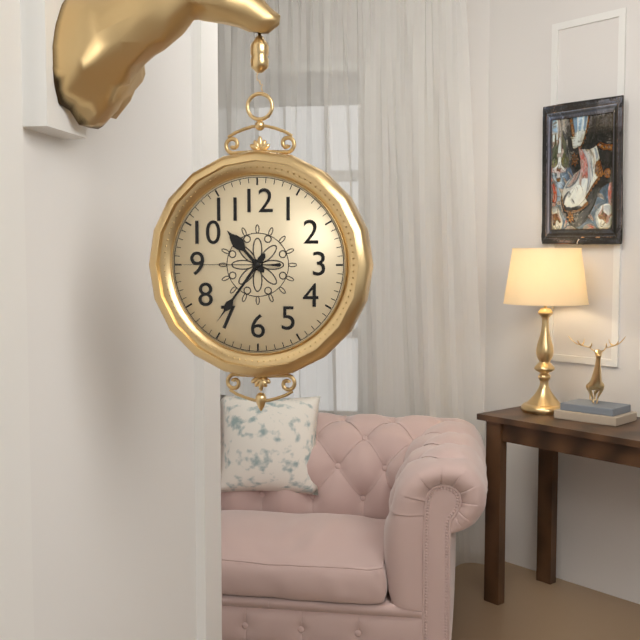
10:36:45
